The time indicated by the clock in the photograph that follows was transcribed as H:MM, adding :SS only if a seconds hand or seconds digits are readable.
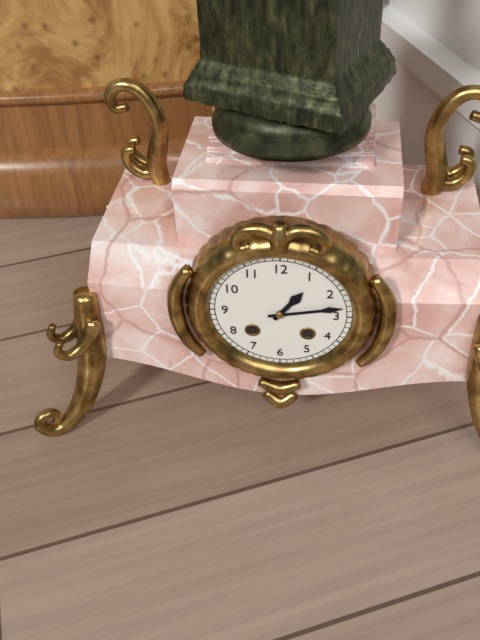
1:13
